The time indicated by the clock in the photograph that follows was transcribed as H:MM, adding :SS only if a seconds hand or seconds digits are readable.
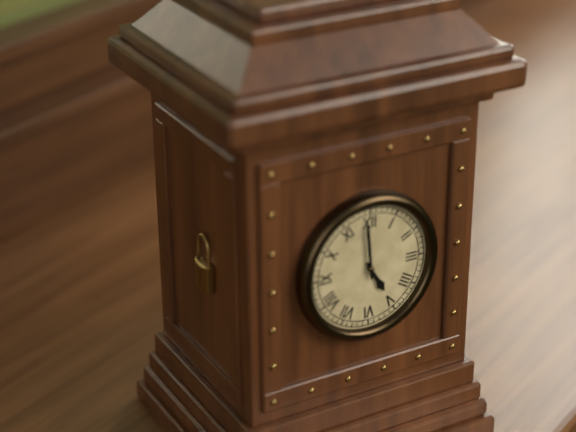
4:59
